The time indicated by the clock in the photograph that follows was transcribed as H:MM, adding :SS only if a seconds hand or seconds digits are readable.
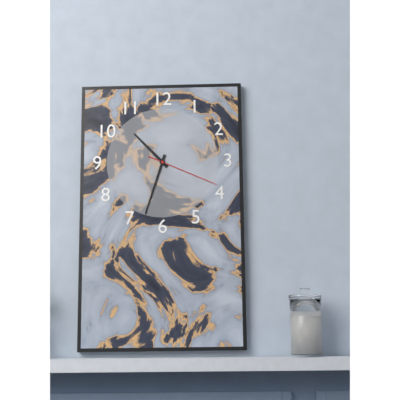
10:33:19
